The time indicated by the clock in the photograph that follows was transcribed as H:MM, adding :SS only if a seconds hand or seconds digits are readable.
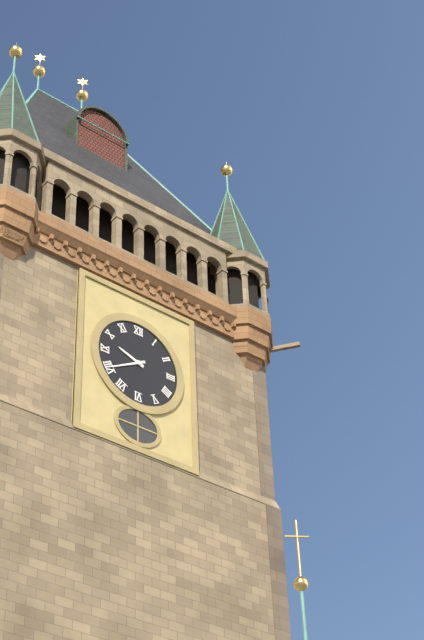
9:40
